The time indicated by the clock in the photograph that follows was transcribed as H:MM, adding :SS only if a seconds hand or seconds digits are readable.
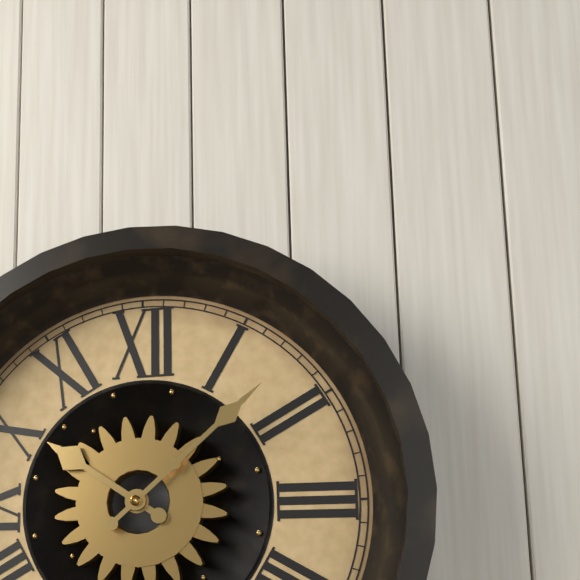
10:08
